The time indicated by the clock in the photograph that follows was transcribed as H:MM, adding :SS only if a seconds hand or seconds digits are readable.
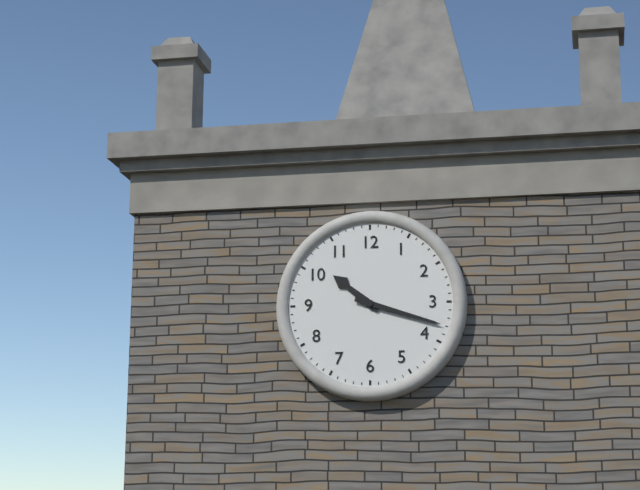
10:18
